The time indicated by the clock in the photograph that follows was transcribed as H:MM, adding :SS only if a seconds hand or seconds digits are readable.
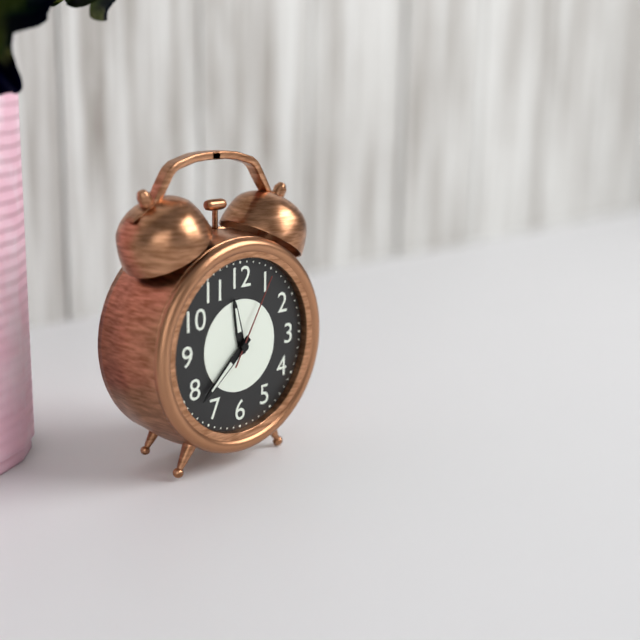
11:38:05
